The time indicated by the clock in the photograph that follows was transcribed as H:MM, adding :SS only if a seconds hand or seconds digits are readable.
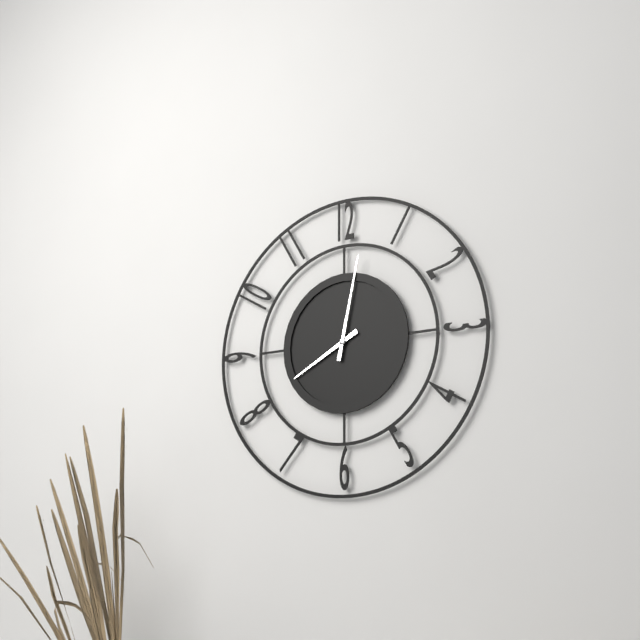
8:02
